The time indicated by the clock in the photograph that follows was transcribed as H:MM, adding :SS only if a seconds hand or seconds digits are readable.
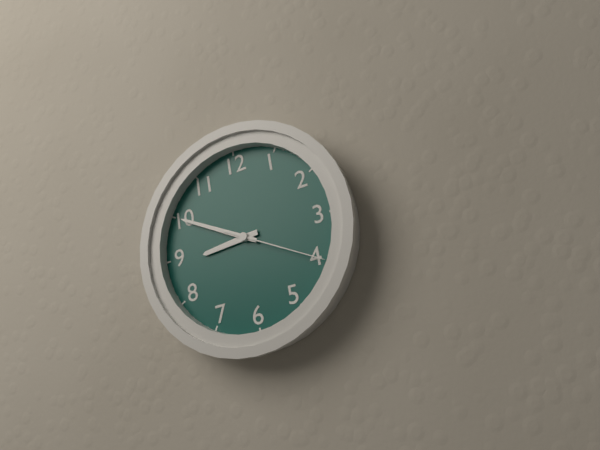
8:50:20
